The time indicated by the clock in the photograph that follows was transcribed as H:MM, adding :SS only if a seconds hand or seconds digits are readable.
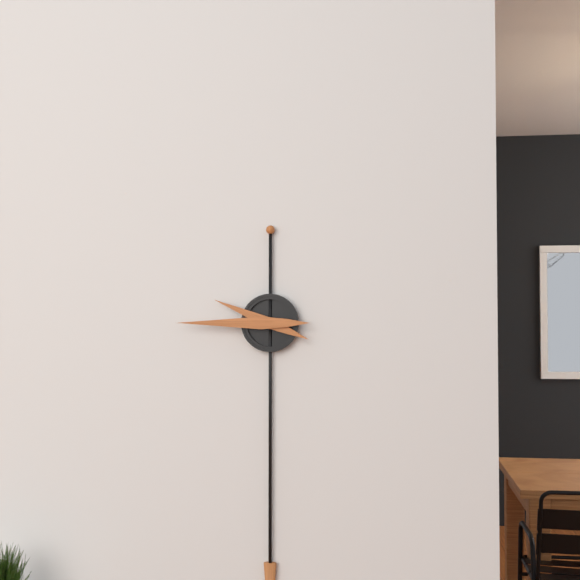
9:45
